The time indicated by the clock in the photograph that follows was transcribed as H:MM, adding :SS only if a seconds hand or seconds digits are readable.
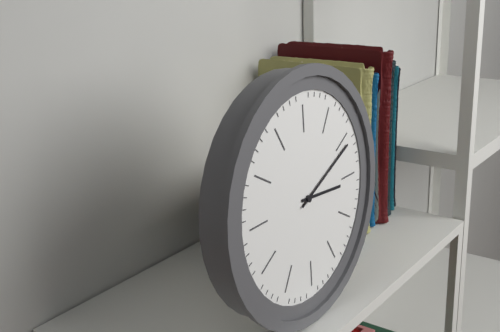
3:11
